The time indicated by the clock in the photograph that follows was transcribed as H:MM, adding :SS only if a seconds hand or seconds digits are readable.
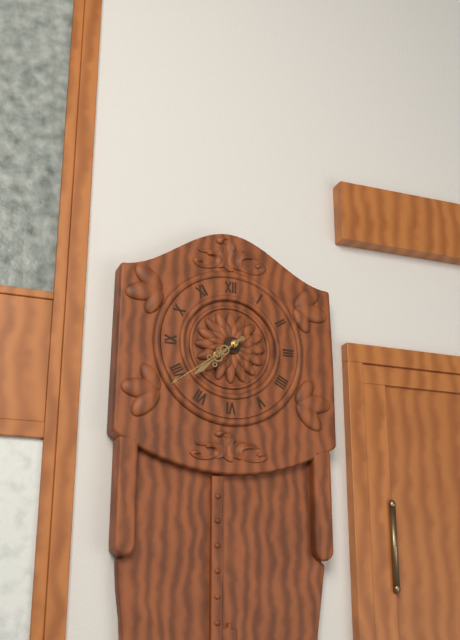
7:39
